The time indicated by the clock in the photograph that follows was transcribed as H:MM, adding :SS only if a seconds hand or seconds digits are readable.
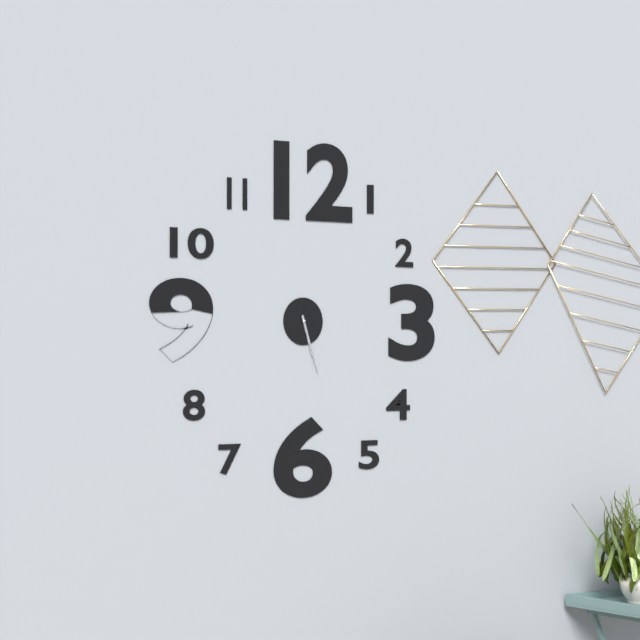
5:27
